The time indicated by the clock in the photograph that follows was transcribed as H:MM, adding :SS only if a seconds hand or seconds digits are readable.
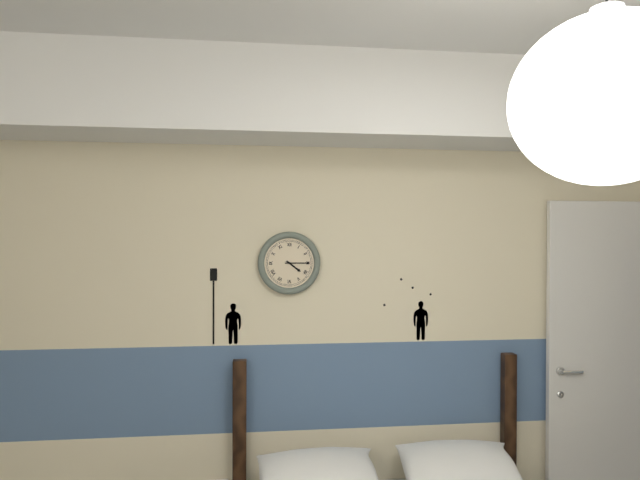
4:15
